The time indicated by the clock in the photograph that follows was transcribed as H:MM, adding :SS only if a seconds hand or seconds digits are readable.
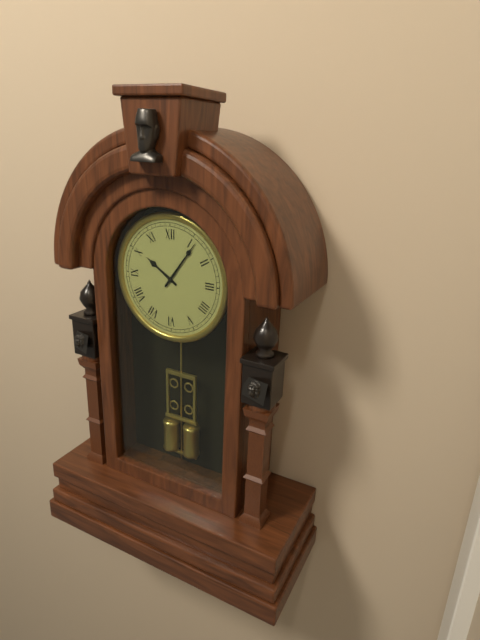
10:06
